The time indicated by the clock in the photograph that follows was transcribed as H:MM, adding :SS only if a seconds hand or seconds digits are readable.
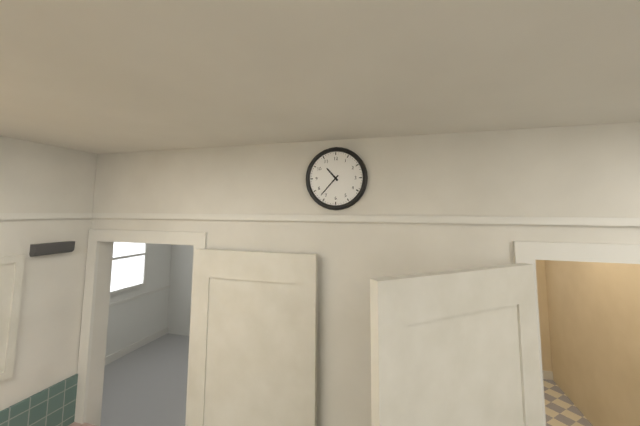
10:37
